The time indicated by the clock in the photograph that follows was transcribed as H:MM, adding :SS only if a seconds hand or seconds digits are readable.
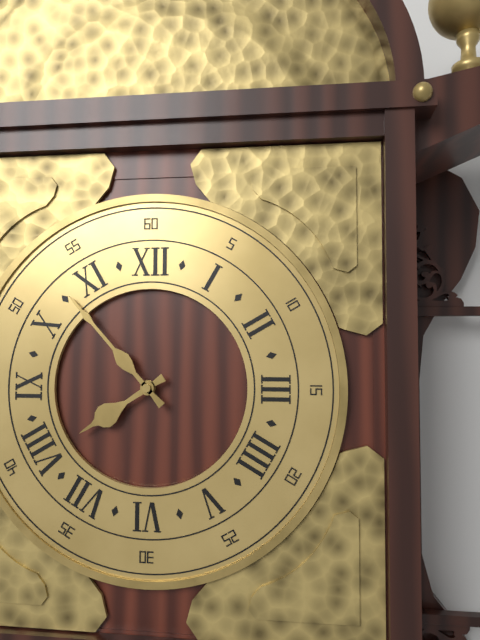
7:53
